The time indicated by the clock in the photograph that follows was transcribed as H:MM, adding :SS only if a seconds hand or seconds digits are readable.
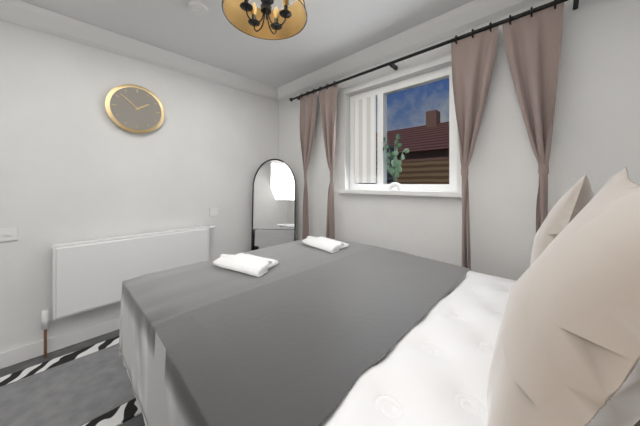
1:52
